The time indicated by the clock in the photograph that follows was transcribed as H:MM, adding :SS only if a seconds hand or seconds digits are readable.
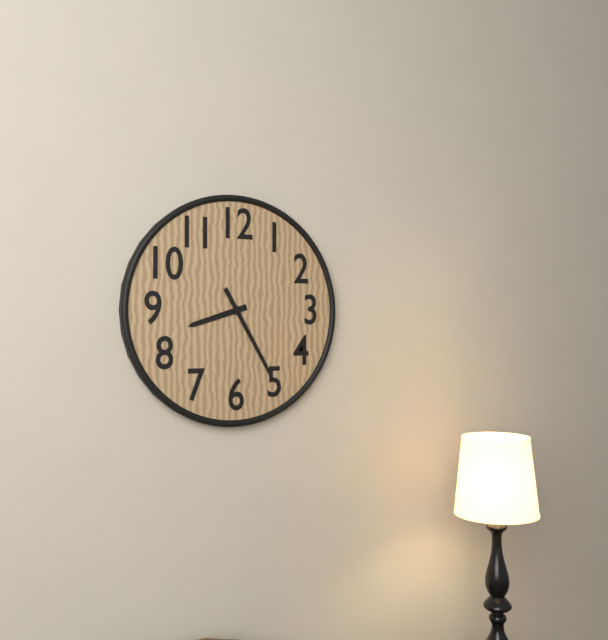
8:25
